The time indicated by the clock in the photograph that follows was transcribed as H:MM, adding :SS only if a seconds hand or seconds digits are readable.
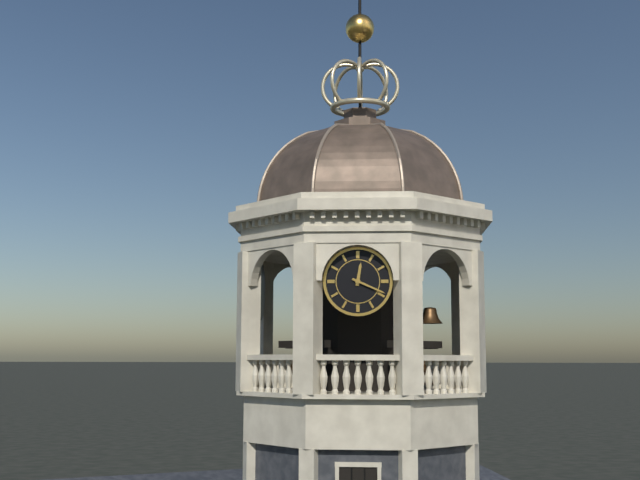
12:19
